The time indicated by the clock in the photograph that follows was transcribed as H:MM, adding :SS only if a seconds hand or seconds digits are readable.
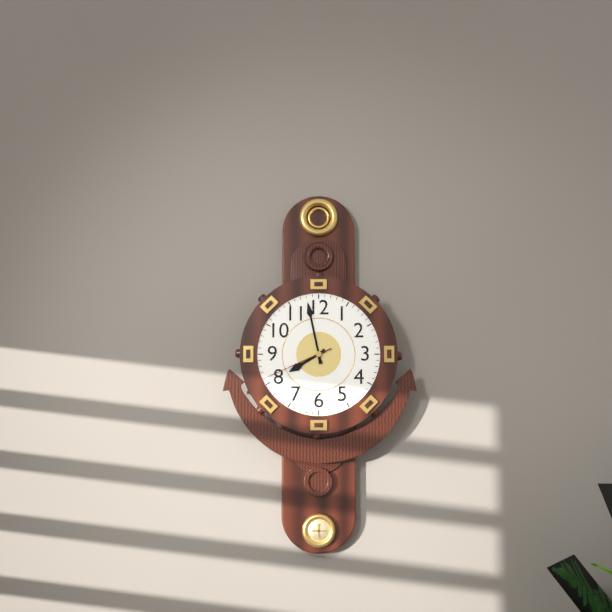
7:58:41
